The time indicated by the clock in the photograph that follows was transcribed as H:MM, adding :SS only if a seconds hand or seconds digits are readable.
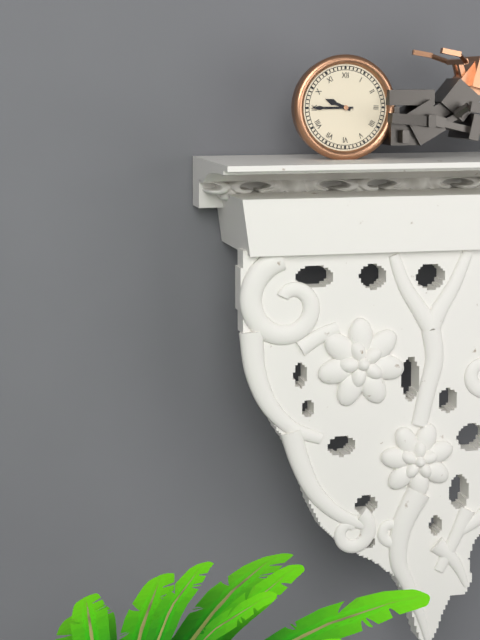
9:45
